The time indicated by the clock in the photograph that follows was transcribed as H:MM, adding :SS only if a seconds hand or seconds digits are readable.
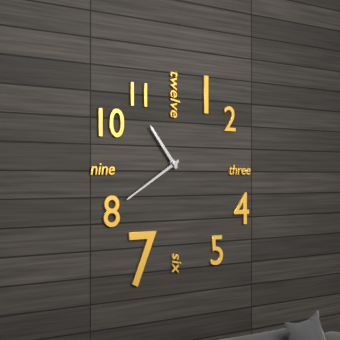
10:40
